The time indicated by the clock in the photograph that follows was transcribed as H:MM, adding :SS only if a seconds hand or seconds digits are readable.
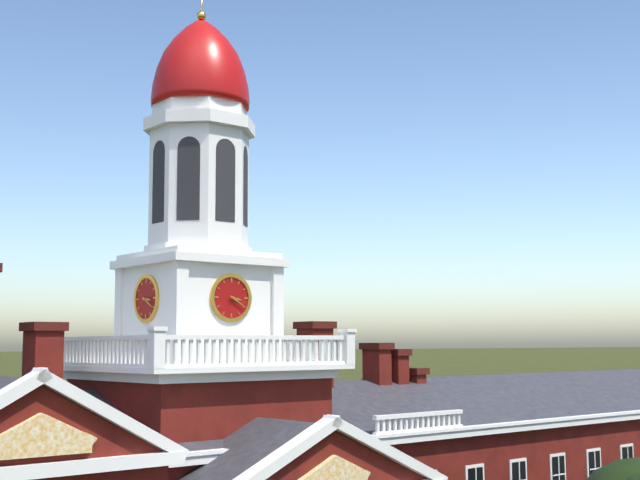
3:20
